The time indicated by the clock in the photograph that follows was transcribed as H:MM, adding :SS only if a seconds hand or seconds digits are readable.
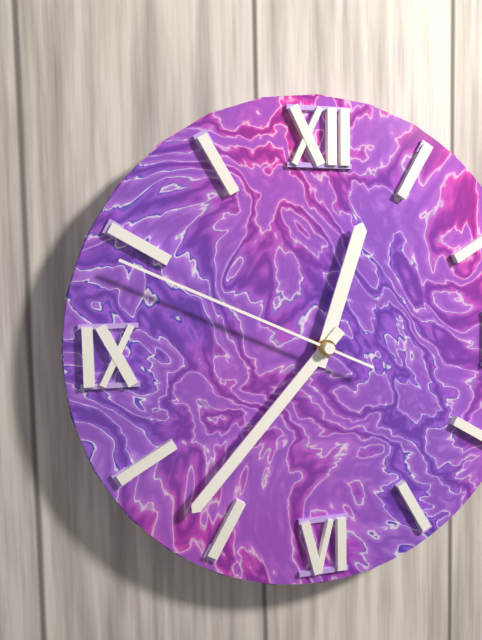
12:37:49
